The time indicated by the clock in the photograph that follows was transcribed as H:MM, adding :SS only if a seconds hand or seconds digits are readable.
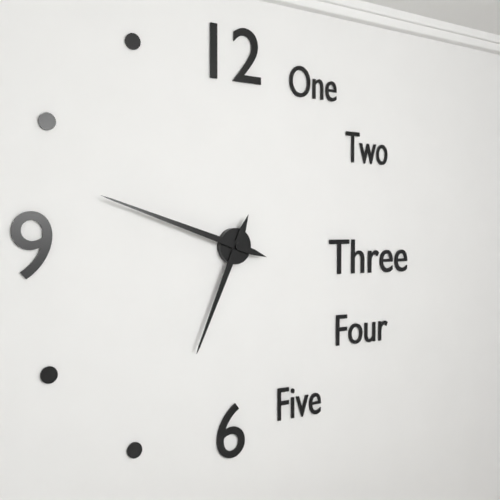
6:48
